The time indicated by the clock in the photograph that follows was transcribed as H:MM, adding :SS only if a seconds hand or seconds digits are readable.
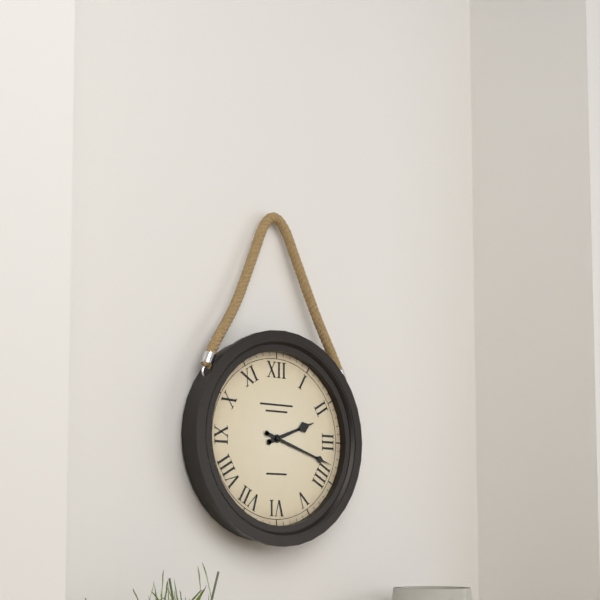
2:18
